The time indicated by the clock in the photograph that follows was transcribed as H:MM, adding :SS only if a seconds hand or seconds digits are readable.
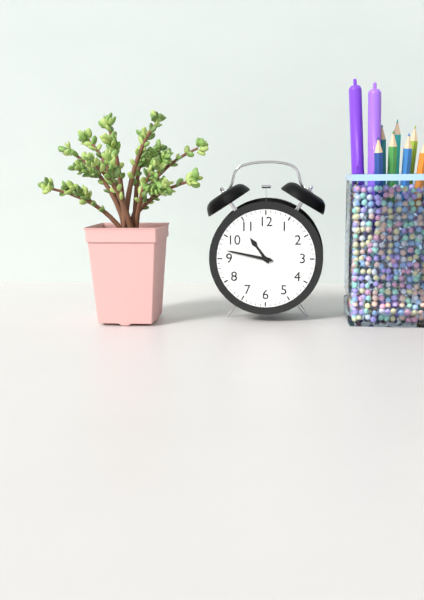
10:47
